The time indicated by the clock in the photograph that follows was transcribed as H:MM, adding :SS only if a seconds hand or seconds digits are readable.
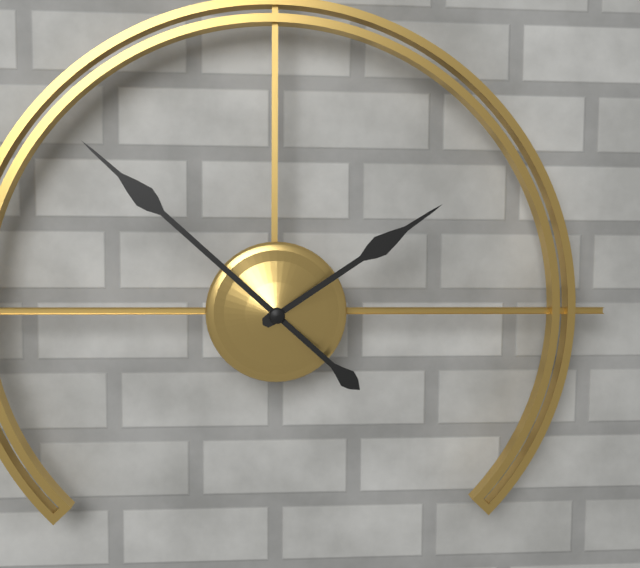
1:52
